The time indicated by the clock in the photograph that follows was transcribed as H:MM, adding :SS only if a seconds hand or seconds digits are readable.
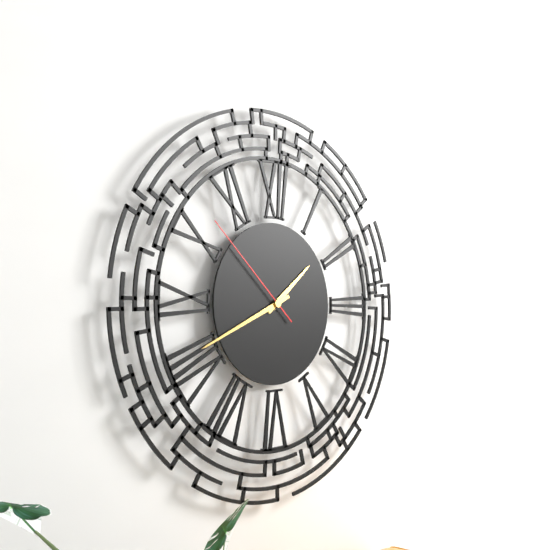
1:41:52
